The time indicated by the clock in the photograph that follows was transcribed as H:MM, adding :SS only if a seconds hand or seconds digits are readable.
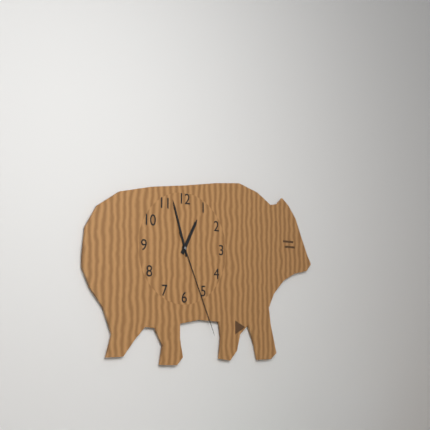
12:57:26
